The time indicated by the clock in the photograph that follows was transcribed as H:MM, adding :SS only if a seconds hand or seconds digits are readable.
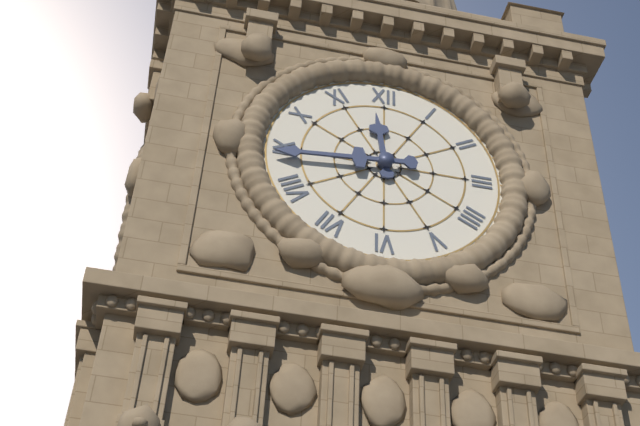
11:44
